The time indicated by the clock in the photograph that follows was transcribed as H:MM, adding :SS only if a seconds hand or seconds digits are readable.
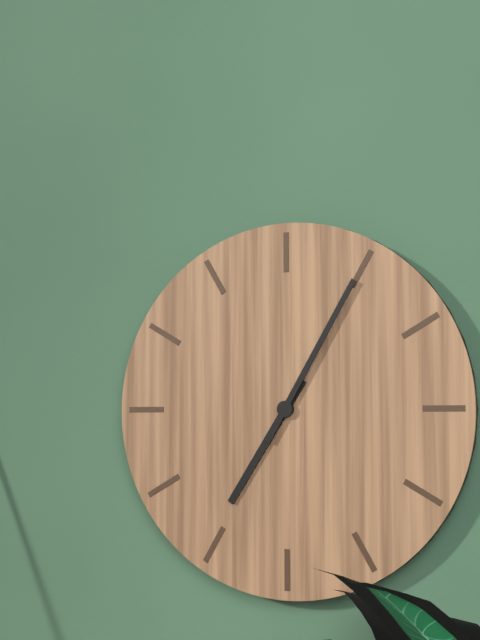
7:05
